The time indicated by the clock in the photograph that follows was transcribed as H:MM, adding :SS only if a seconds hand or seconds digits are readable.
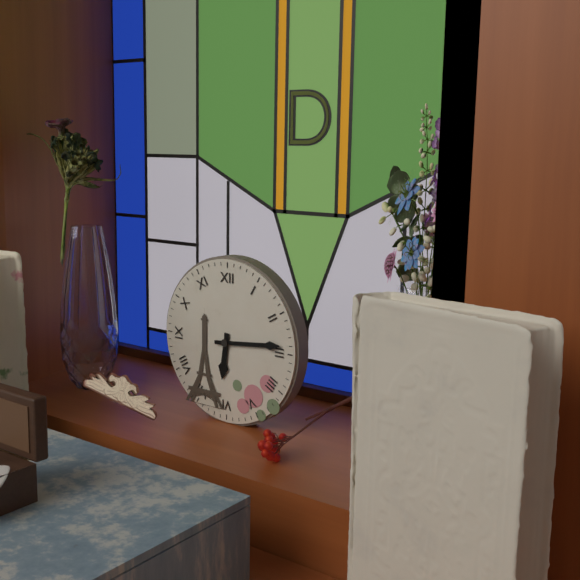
6:14
